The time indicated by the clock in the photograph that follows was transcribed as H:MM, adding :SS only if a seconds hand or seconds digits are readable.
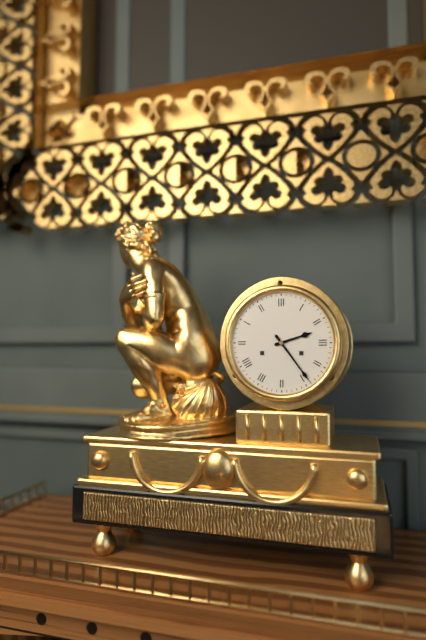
2:24
